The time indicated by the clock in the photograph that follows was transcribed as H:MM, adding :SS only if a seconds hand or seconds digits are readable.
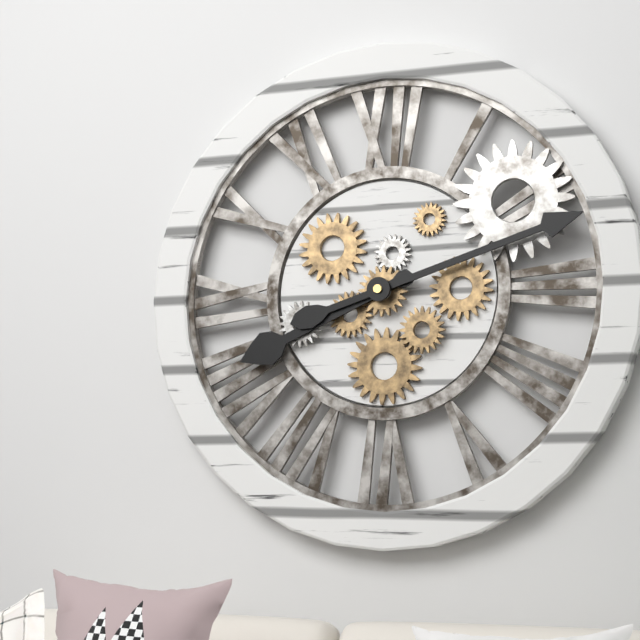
8:12
